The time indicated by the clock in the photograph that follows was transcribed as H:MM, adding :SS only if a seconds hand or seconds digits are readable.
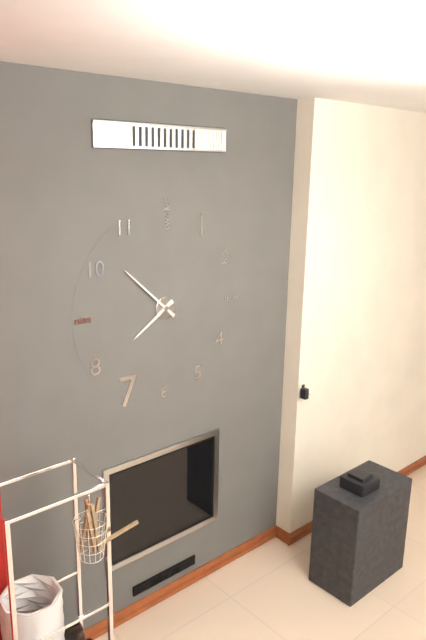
7:52
